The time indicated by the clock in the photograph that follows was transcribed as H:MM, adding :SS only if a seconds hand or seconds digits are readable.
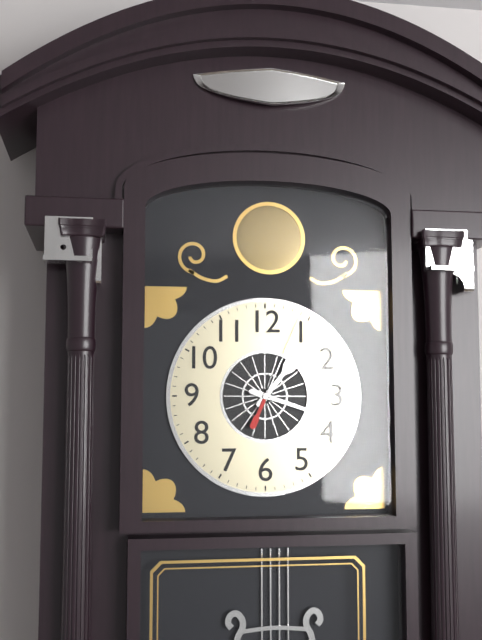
1:18:04
